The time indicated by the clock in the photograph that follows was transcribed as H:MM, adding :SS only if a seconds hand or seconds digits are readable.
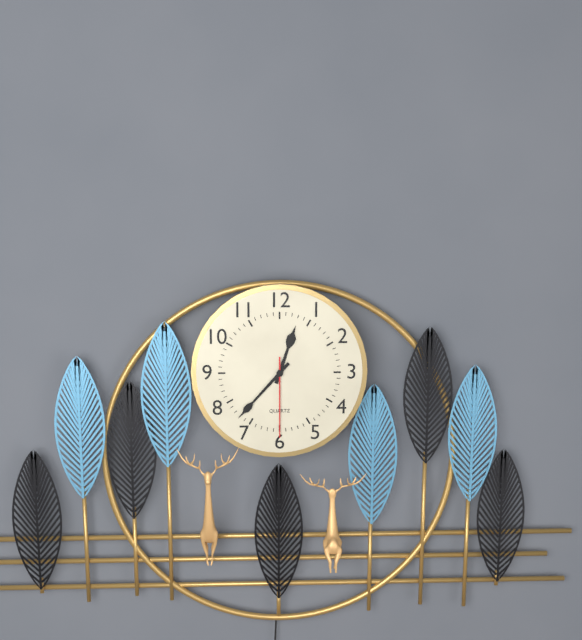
12:37:30
